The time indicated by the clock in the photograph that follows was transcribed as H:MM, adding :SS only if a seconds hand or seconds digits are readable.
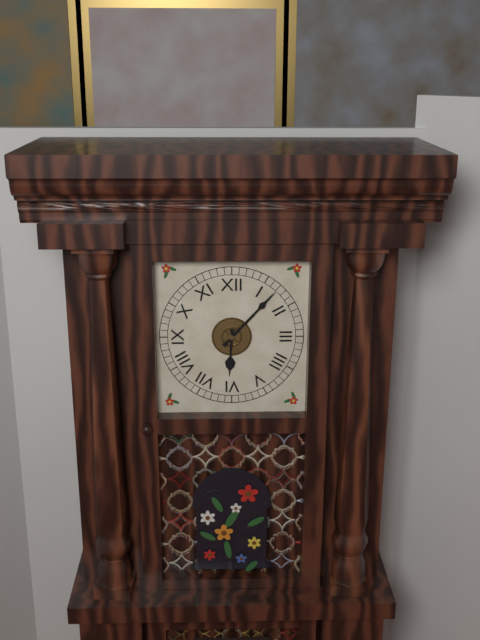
6:07
